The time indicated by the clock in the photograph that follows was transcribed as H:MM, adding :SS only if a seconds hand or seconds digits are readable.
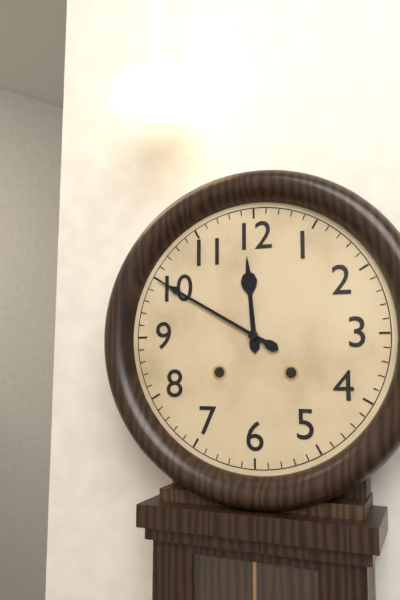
11:50
